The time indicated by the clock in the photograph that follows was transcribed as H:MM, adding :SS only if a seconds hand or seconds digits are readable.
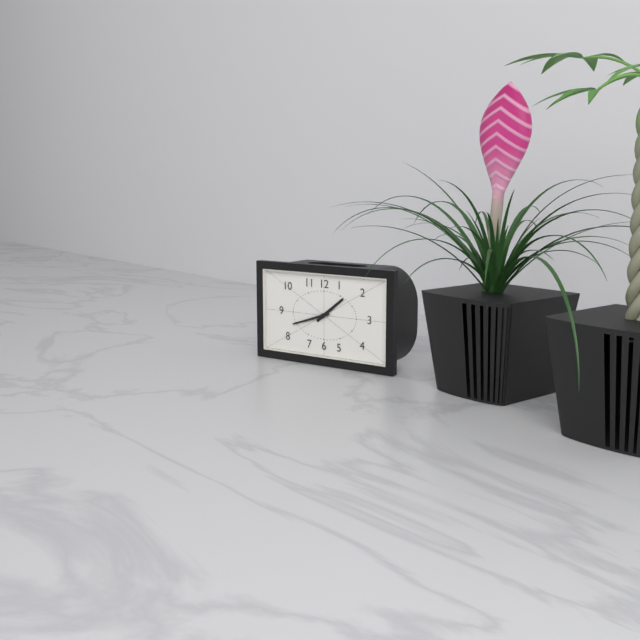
1:42
